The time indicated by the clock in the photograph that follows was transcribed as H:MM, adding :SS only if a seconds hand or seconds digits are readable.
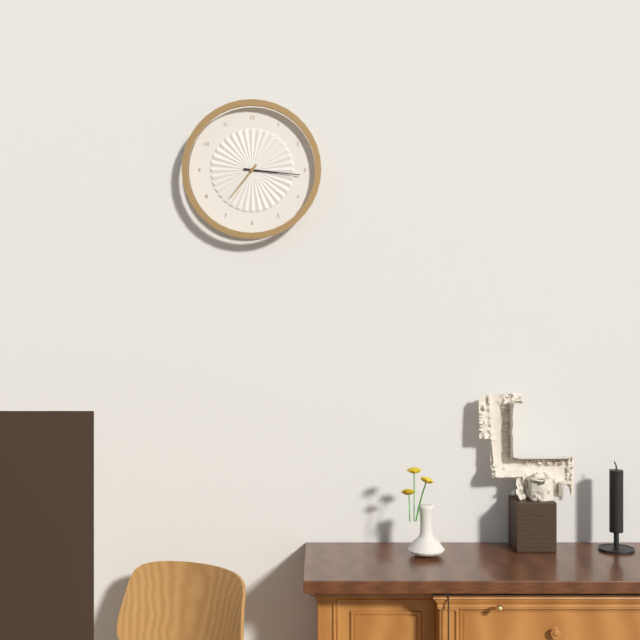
7:16
